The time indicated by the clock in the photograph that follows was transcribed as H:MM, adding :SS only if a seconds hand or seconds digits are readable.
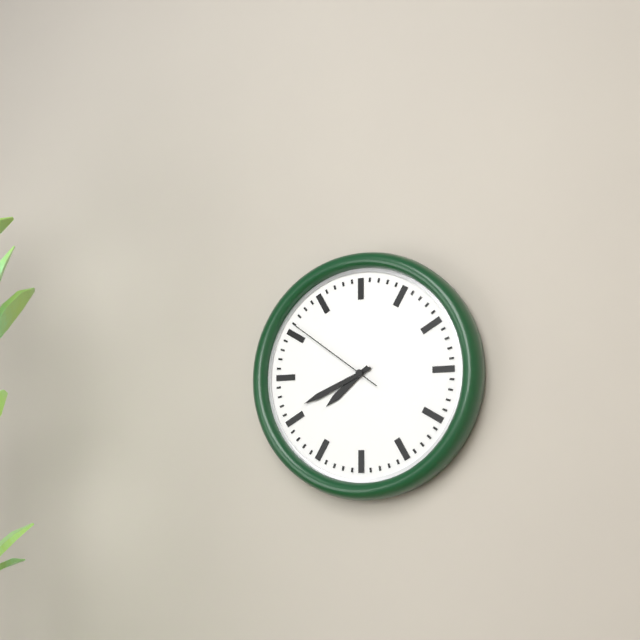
7:41:51
